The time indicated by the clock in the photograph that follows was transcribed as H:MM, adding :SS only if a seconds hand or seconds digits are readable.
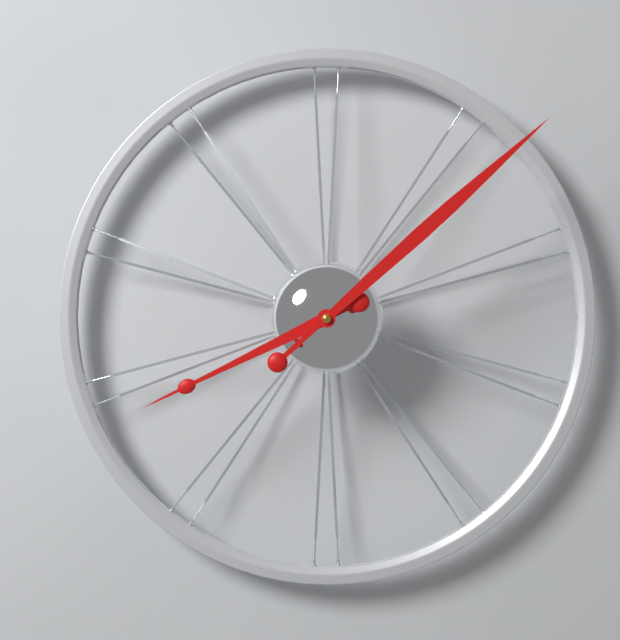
8:08
